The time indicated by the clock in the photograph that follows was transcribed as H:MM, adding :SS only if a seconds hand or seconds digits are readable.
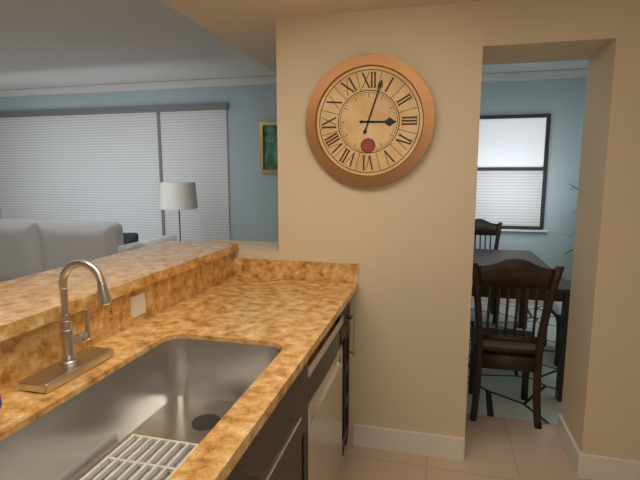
3:03
